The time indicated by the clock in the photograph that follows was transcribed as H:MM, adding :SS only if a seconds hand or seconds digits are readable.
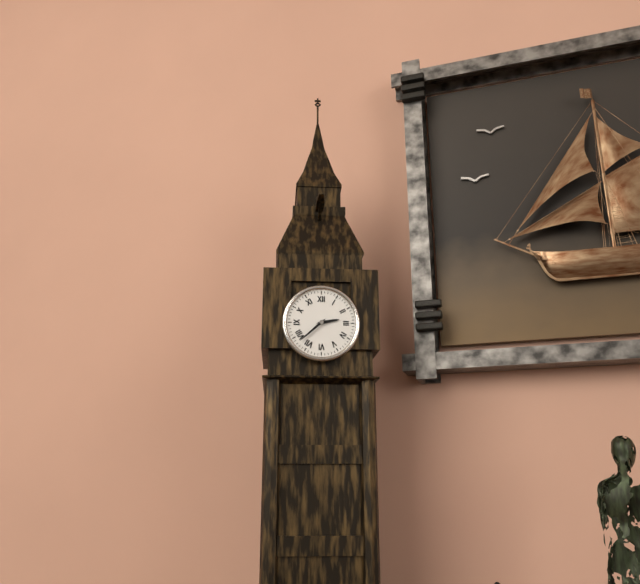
2:38
